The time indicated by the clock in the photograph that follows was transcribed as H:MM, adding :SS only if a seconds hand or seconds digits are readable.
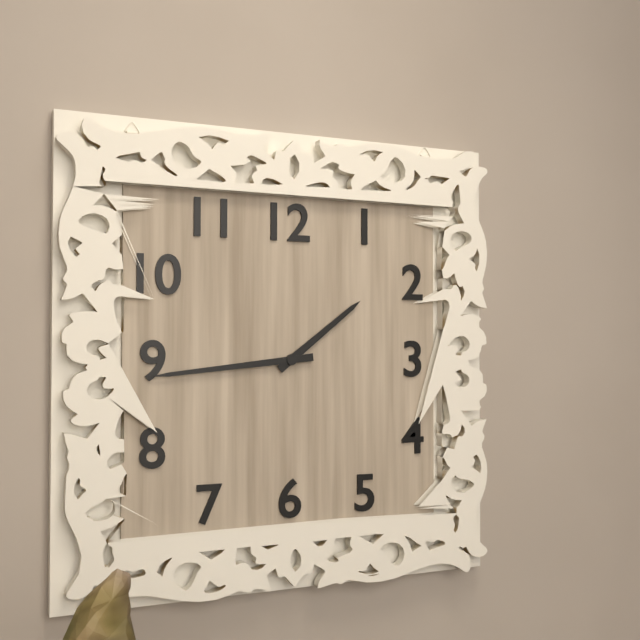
1:44
